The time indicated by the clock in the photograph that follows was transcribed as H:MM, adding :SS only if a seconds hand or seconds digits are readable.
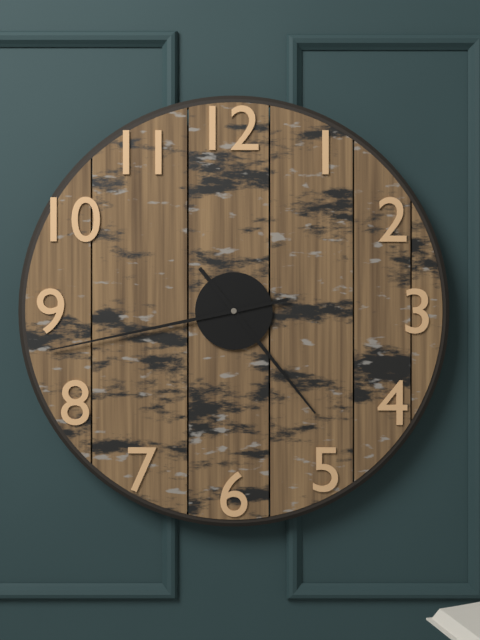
4:43
